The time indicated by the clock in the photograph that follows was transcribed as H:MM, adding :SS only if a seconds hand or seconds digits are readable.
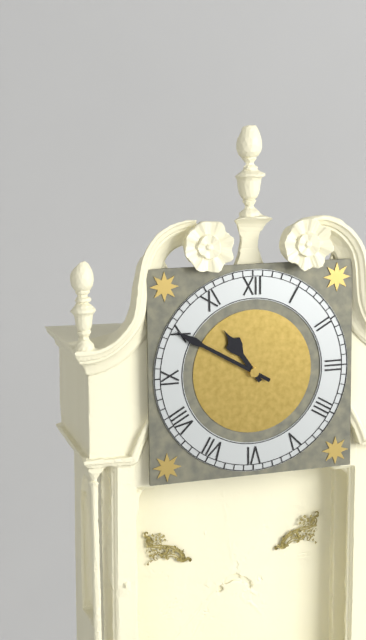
10:50
